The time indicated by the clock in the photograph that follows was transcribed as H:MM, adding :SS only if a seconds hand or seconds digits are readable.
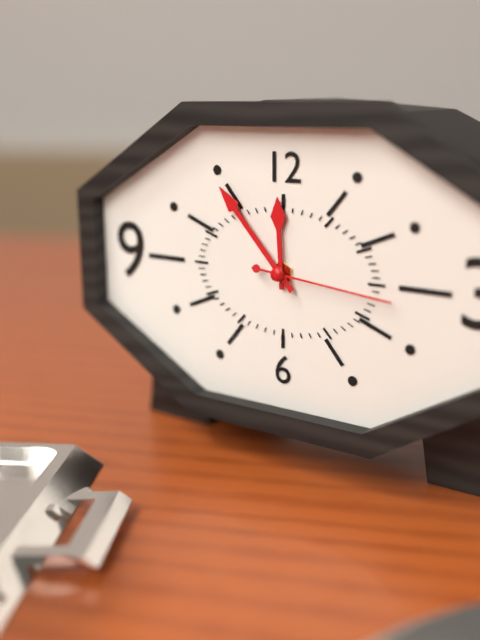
11:53:16
